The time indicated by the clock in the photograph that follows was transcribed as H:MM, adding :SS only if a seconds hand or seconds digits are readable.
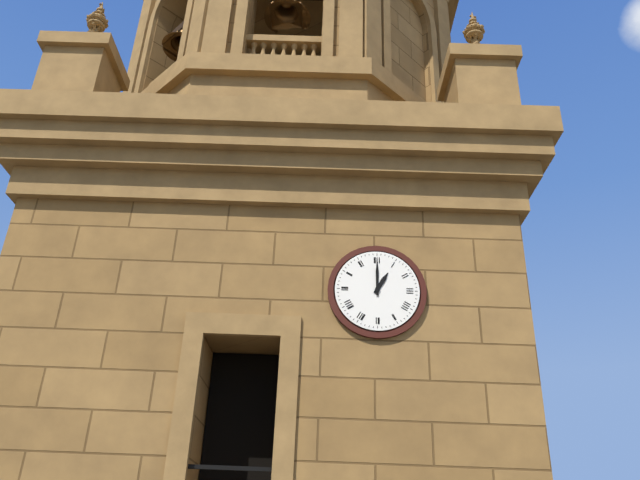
1:00
